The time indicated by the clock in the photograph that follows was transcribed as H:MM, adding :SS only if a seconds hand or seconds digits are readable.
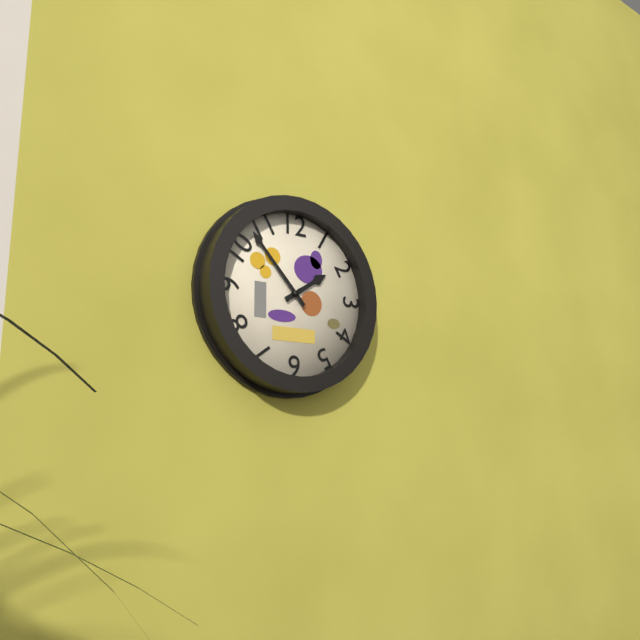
1:53
